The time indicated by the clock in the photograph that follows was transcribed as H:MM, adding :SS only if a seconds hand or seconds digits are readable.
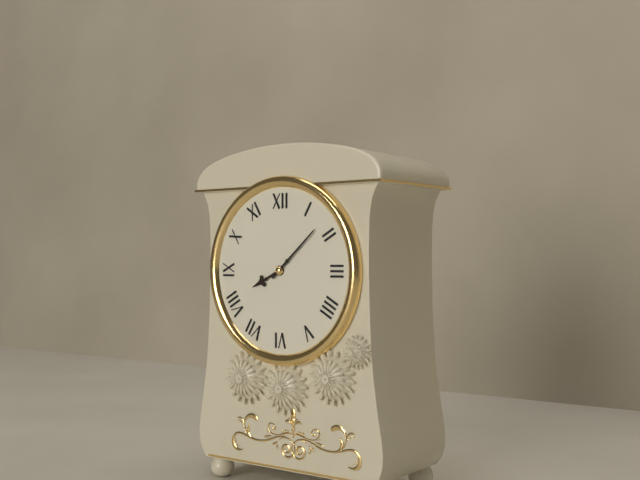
8:08
